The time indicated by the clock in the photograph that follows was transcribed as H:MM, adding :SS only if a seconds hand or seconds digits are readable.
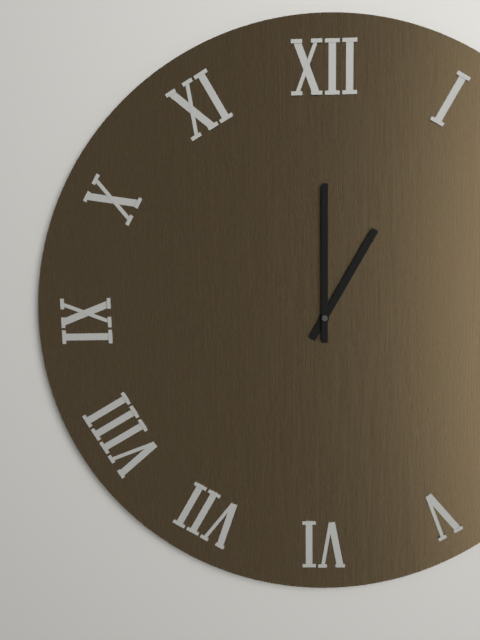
1:00
